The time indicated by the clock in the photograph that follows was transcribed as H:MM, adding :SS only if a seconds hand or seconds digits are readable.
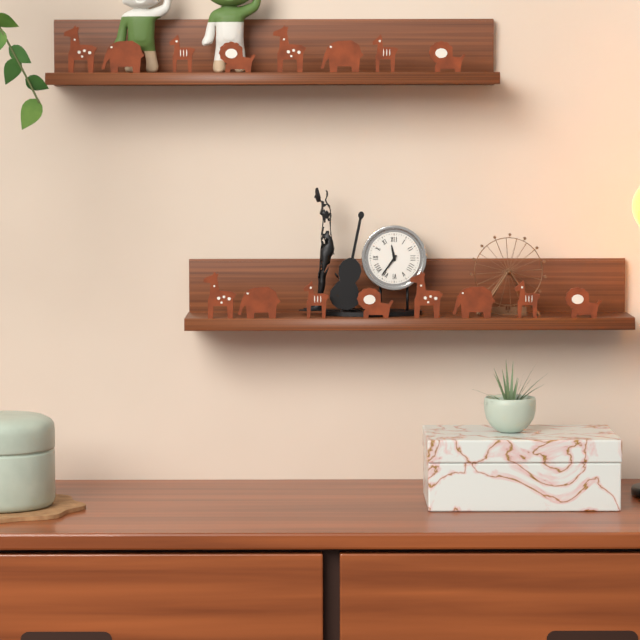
11:36
